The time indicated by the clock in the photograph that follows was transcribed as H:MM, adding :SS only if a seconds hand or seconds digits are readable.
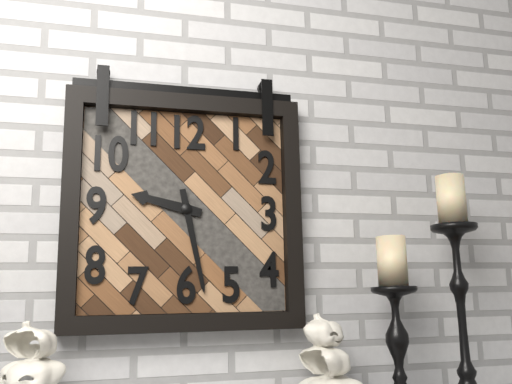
9:28
